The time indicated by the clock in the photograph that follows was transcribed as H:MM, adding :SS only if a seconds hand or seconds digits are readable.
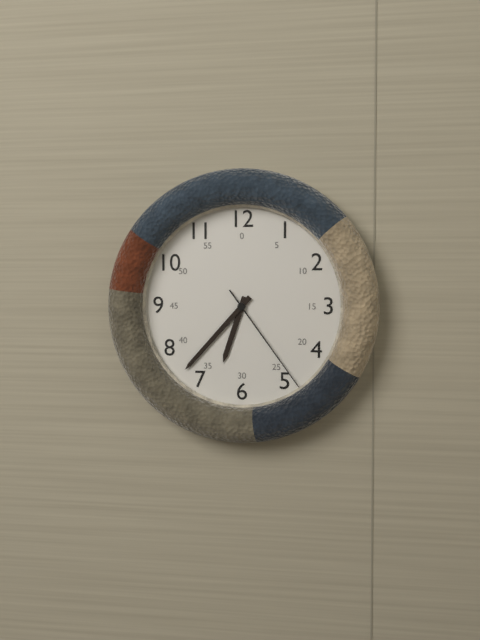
6:37:24
